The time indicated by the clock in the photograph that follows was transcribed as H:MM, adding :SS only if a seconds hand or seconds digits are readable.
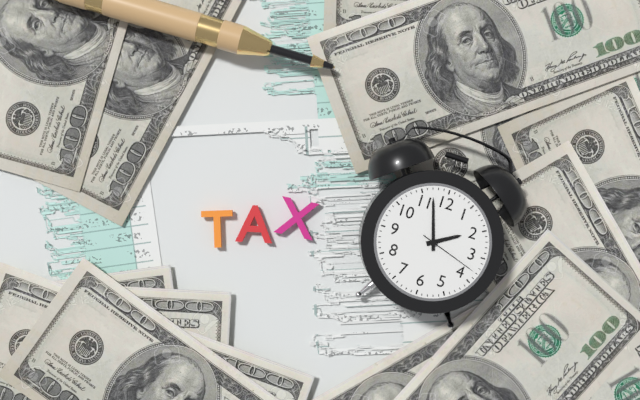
1:57:18
